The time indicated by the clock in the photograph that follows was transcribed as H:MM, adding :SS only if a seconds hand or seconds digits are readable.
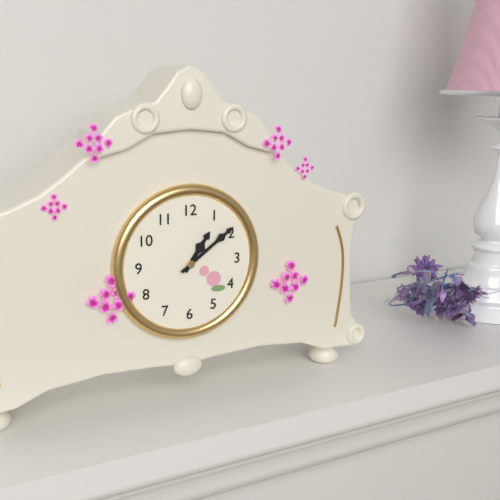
1:09
